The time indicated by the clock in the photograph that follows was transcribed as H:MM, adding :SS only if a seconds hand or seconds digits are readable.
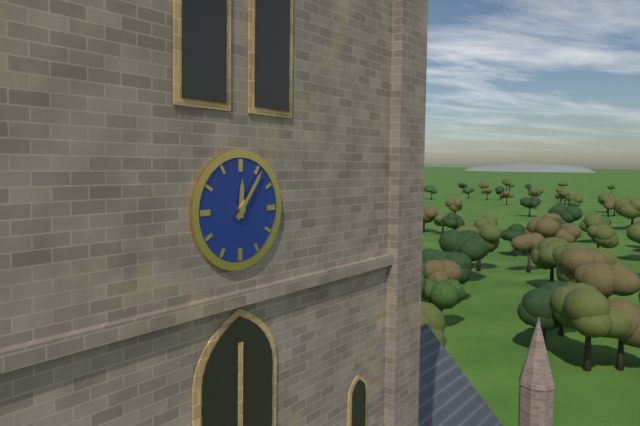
12:06
